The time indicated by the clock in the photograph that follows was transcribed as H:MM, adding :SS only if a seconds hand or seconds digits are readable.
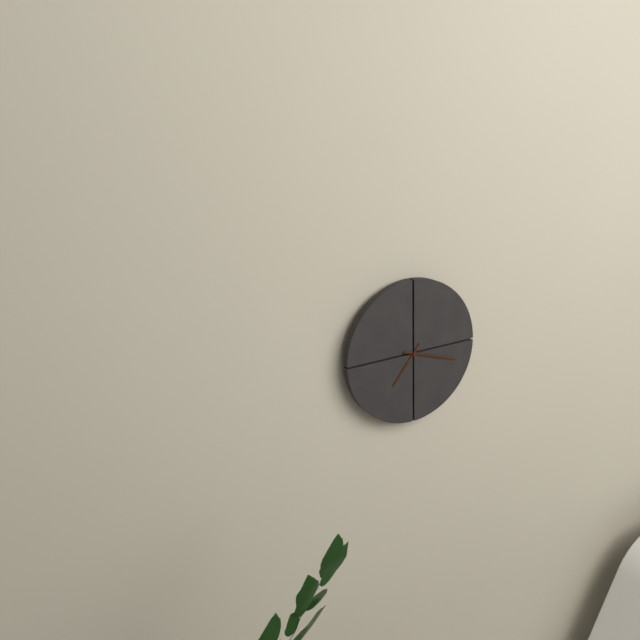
7:18
